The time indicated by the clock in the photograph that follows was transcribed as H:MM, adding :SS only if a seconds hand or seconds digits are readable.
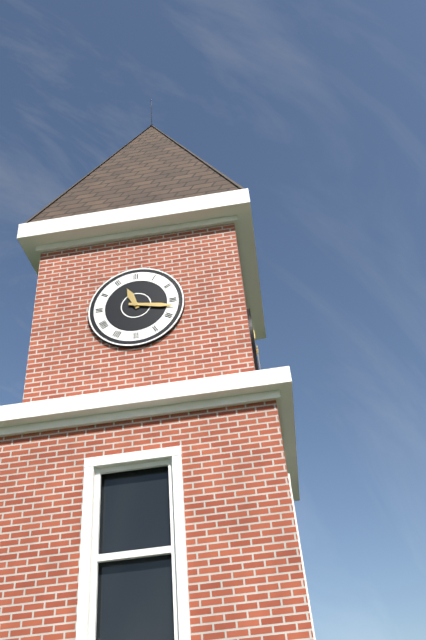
11:17
